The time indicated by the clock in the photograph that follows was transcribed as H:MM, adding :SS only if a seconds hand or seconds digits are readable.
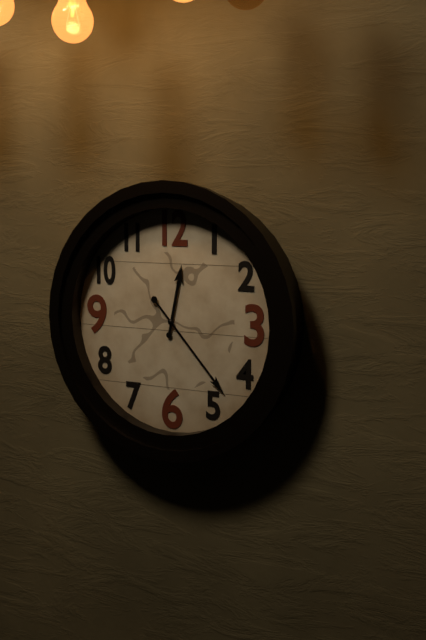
12:23
